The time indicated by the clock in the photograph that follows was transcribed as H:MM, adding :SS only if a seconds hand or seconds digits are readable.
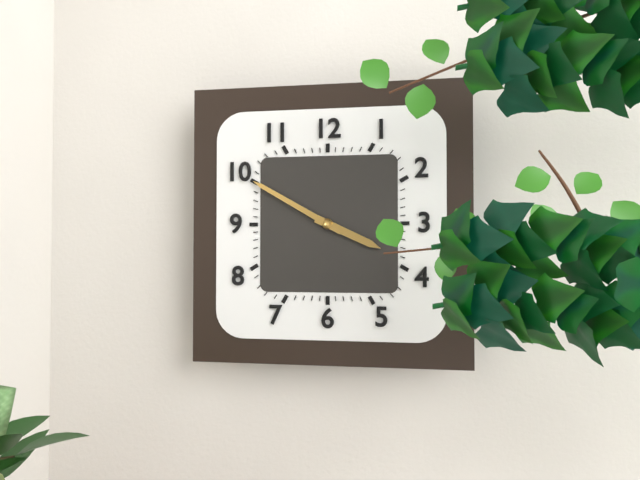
3:50
